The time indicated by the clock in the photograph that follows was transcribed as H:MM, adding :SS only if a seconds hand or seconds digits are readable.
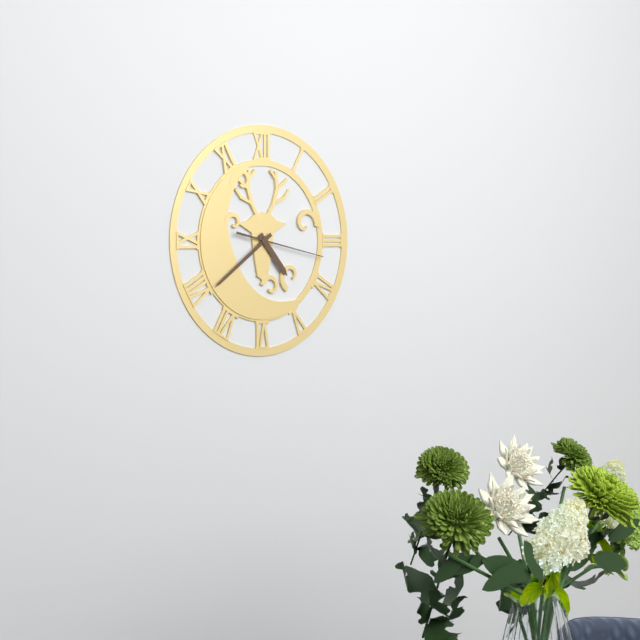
4:39:17
